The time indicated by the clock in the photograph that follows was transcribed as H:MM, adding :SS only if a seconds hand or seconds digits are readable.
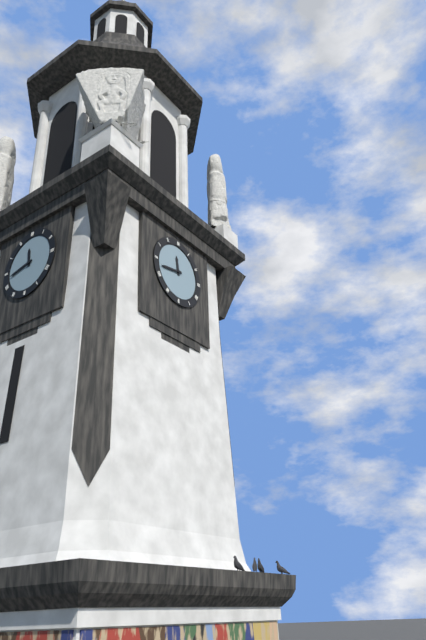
11:43
